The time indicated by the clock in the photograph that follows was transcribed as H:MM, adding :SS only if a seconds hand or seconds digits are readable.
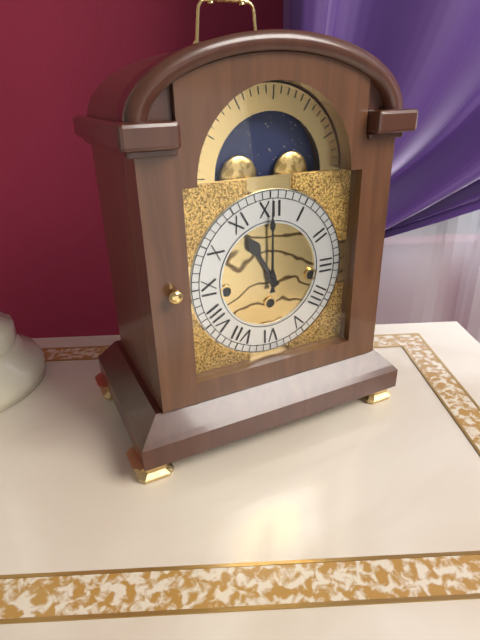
11:00
